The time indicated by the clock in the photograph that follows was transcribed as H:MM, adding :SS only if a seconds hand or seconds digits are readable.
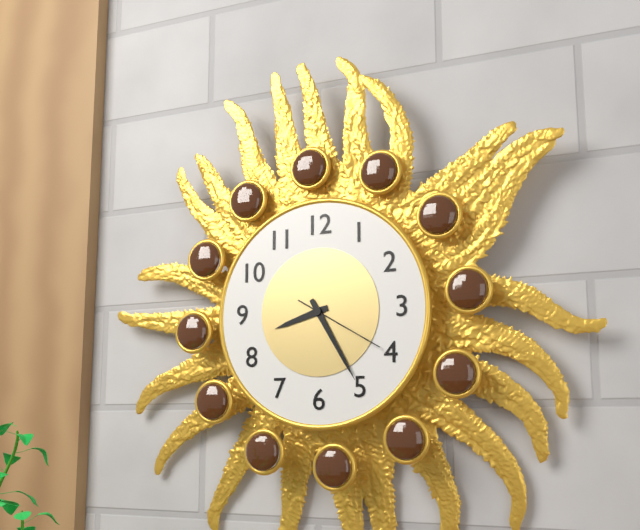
8:25:20
